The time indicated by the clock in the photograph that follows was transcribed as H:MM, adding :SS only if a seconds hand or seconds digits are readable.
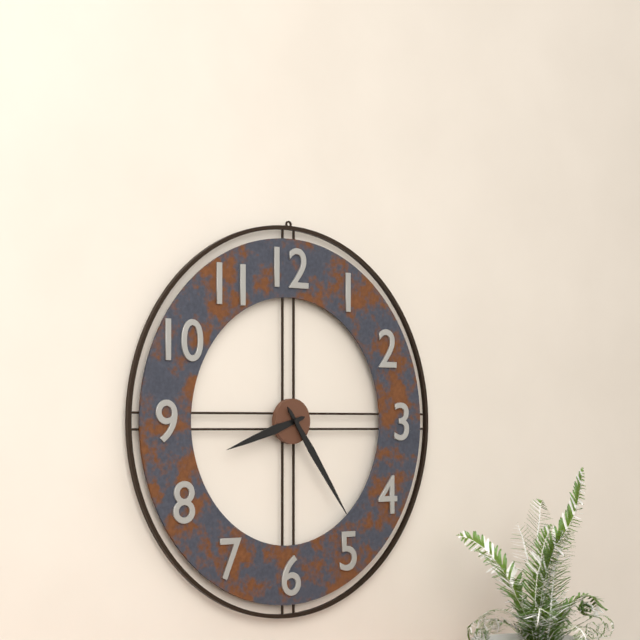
8:24
